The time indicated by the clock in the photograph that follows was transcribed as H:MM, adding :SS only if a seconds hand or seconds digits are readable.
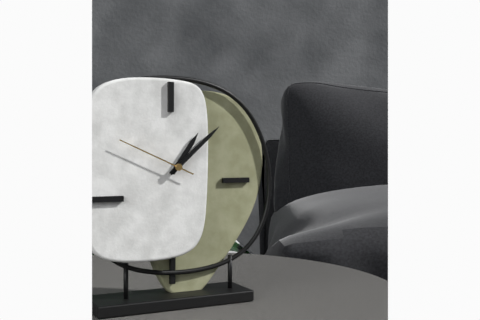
1:08:49
